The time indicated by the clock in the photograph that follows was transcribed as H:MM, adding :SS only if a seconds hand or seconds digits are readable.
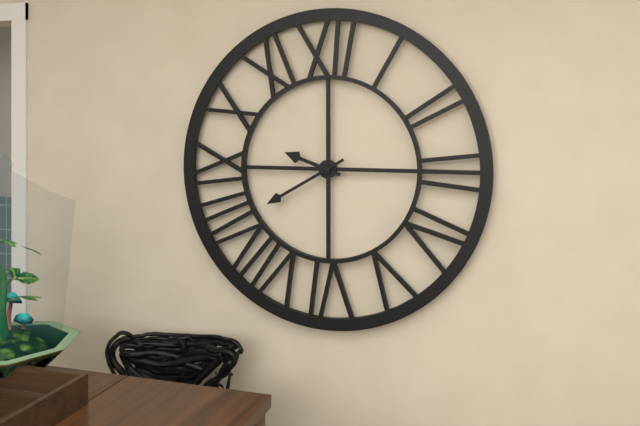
9:40
